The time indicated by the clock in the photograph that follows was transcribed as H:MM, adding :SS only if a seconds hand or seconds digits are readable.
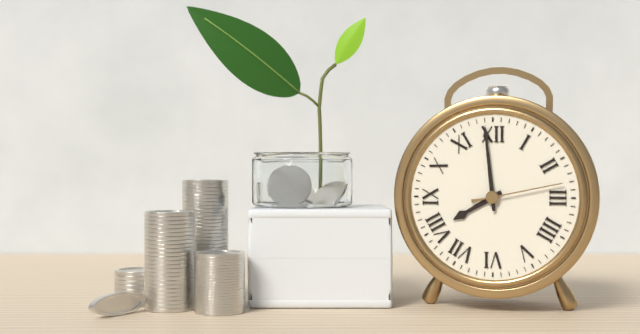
7:59:13
